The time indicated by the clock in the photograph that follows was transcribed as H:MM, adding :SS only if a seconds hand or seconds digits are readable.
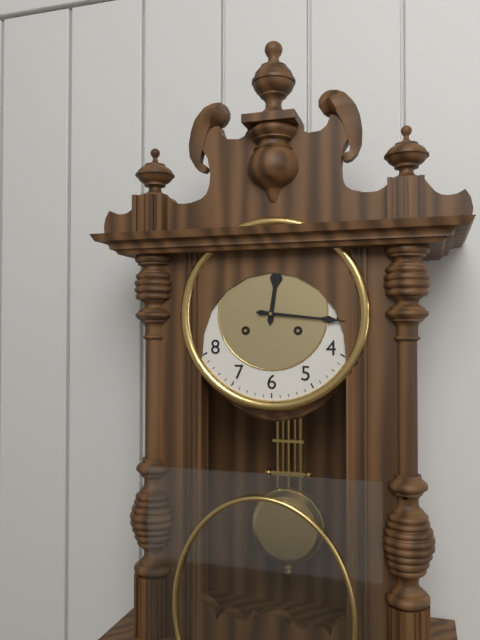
12:16
